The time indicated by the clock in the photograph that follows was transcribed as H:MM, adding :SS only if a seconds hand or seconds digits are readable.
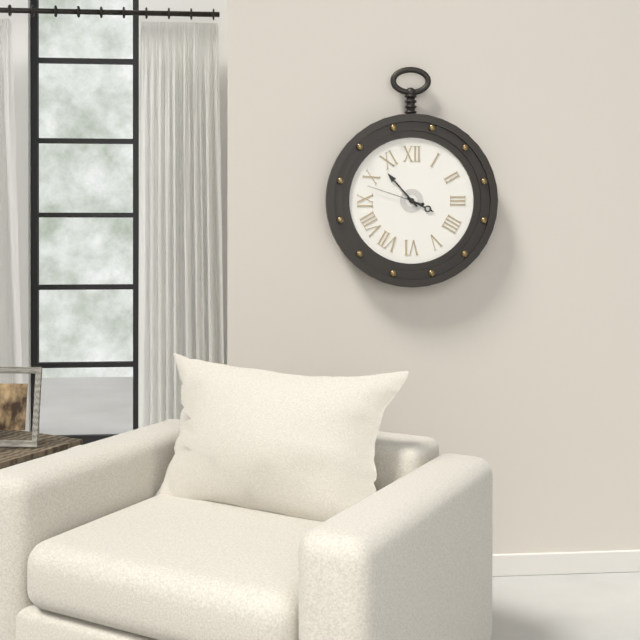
3:53:48
